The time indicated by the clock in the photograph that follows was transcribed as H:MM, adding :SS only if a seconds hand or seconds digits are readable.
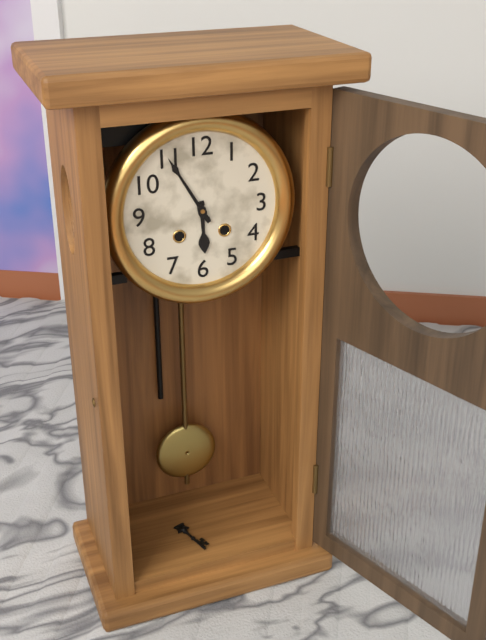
5:55
